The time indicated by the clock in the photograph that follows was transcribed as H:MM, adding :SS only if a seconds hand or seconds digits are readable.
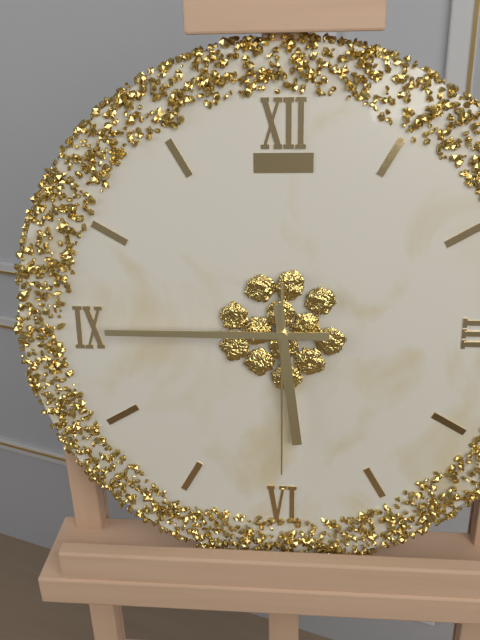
5:45:30
